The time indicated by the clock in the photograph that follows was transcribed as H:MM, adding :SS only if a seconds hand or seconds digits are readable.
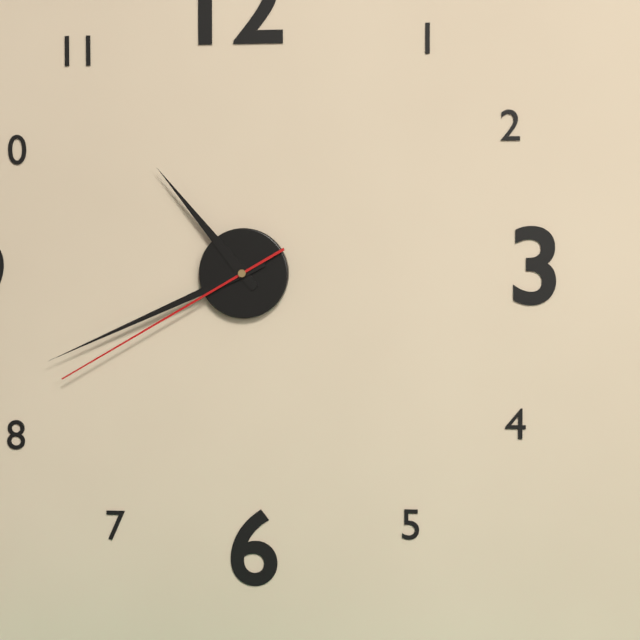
10:41:40
